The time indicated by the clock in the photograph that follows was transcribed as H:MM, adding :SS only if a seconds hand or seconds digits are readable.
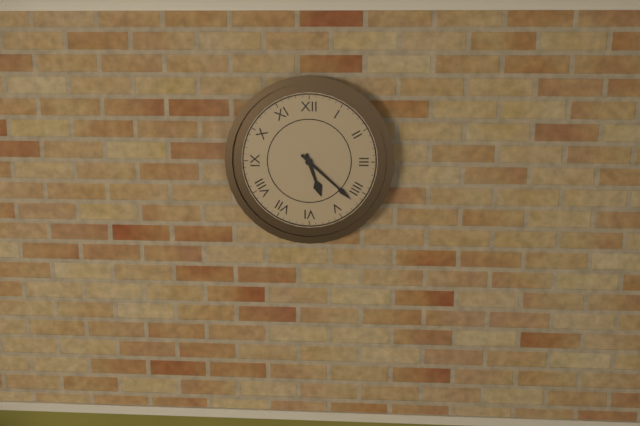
5:22
